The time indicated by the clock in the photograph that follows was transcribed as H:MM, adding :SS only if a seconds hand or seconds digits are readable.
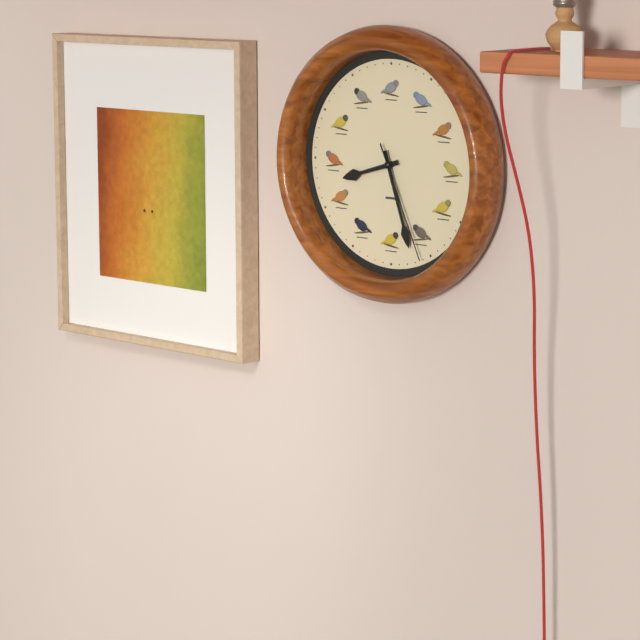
8:27:26
